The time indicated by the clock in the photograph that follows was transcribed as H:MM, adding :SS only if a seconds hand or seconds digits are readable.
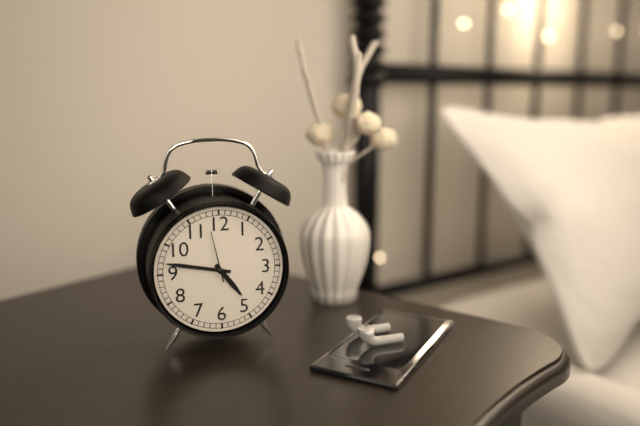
4:47:58
